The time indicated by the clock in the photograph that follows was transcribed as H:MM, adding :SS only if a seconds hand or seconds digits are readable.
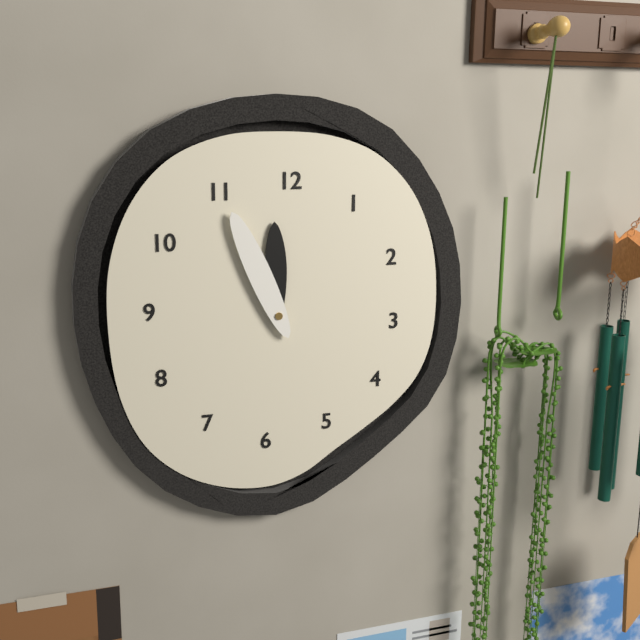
11:56
